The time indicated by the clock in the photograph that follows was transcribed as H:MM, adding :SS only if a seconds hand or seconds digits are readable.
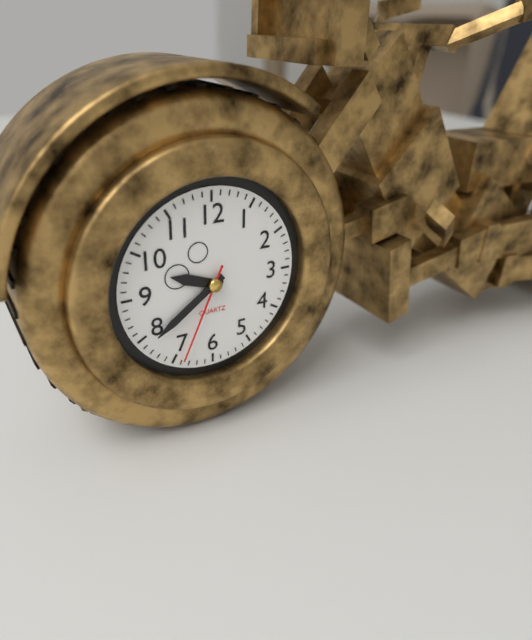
9:39:34
